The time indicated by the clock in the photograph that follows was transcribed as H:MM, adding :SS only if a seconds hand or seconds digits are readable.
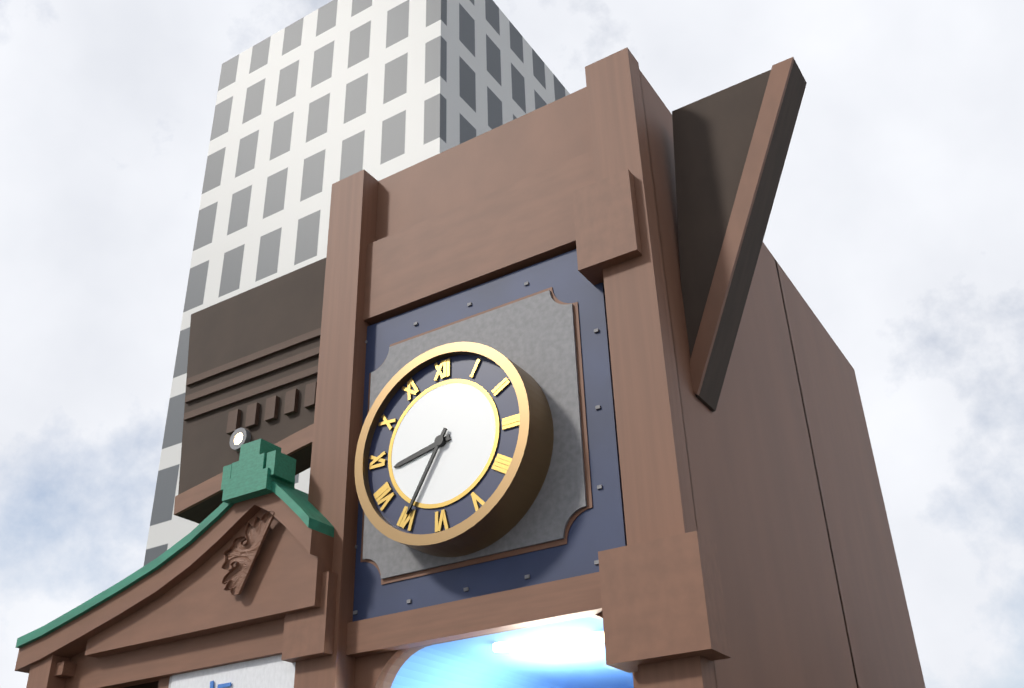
8:35
